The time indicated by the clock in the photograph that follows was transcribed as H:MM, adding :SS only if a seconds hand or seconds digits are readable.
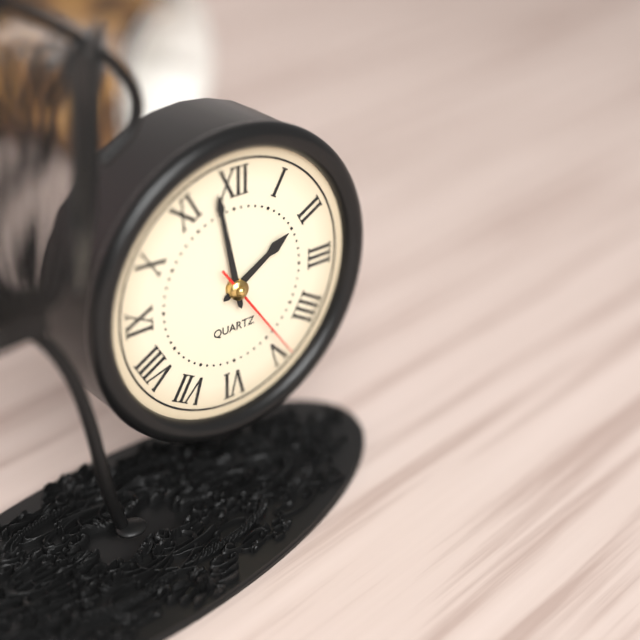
1:58:24
